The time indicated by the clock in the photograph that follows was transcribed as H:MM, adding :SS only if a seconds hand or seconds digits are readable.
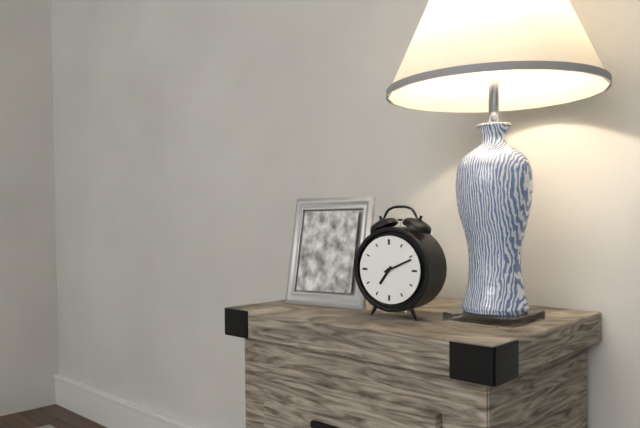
7:11
